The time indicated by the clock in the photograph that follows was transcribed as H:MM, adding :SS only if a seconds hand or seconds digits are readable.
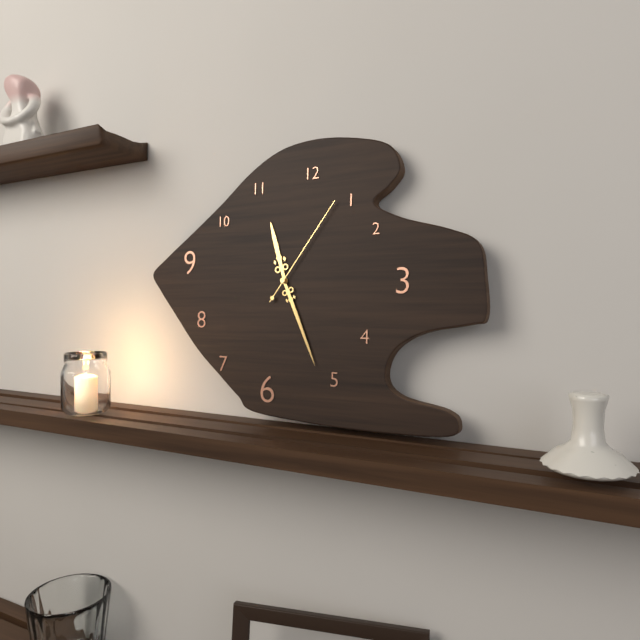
11:26:06
